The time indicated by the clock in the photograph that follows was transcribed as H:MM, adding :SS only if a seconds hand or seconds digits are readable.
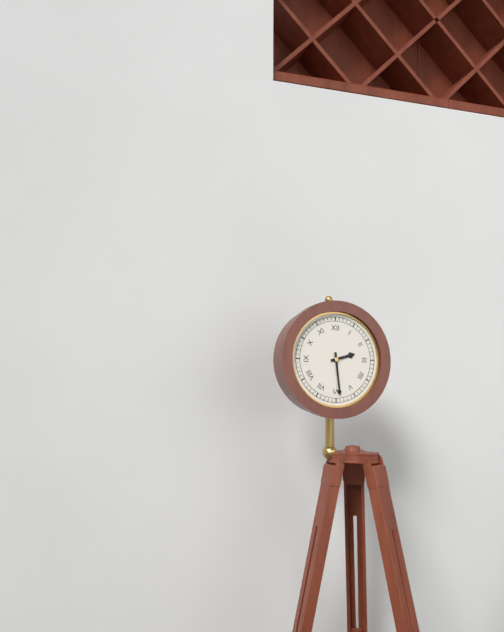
2:29
